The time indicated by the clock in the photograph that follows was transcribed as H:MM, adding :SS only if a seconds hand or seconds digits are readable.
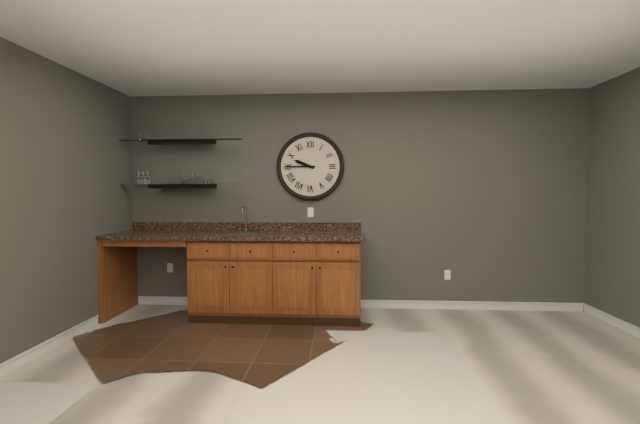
9:45
